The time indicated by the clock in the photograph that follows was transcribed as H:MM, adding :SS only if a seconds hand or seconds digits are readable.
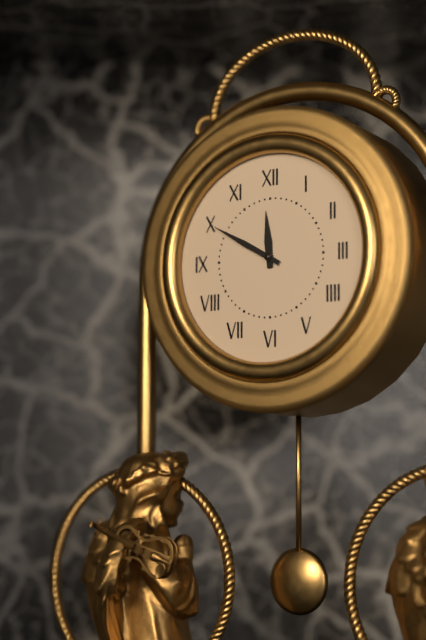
11:50
